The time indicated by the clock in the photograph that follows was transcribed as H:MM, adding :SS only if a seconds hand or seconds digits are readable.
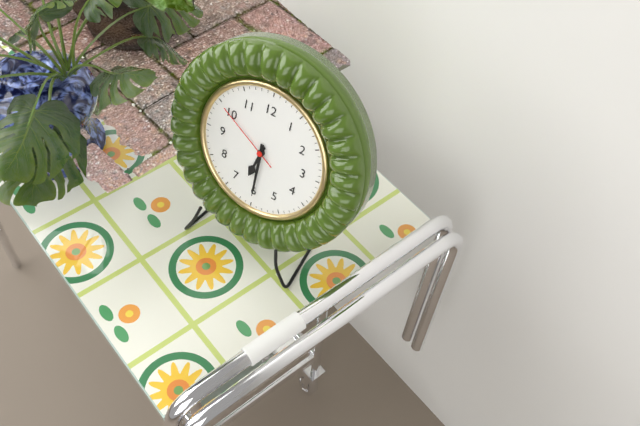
6:30:50
